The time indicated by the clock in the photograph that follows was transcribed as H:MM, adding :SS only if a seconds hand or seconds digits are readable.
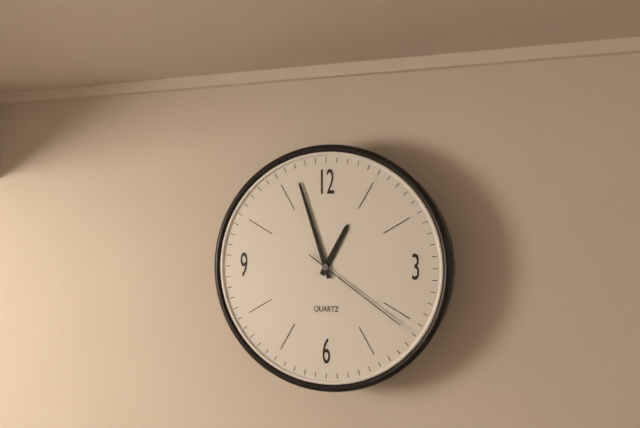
12:57:21
